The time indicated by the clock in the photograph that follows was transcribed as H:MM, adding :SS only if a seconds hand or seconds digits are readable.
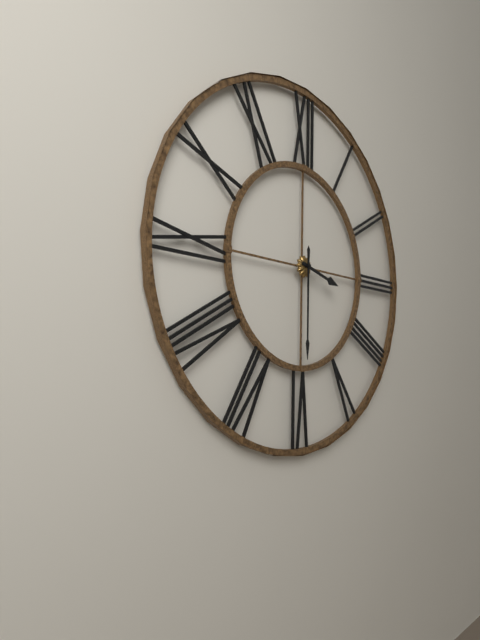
3:30
